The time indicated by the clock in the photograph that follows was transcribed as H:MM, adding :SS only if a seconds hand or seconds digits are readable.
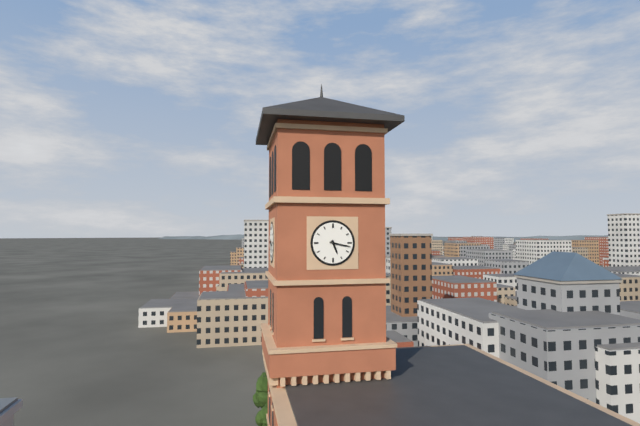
5:17
